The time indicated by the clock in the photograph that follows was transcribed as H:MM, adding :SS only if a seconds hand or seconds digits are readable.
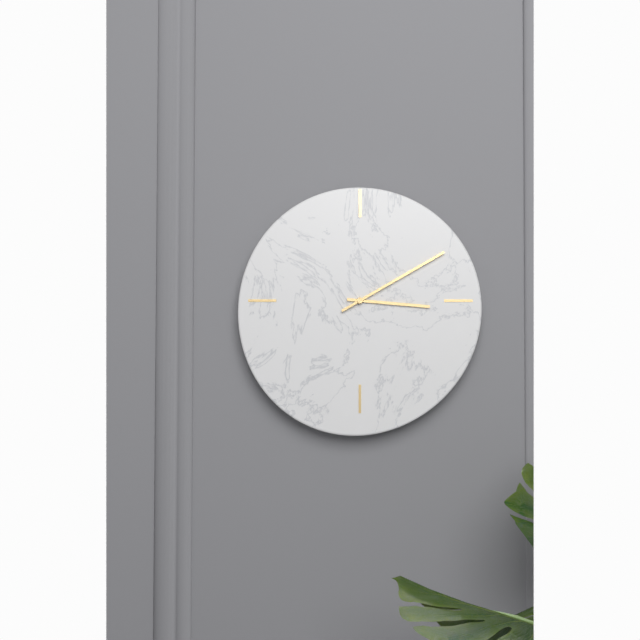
3:10
